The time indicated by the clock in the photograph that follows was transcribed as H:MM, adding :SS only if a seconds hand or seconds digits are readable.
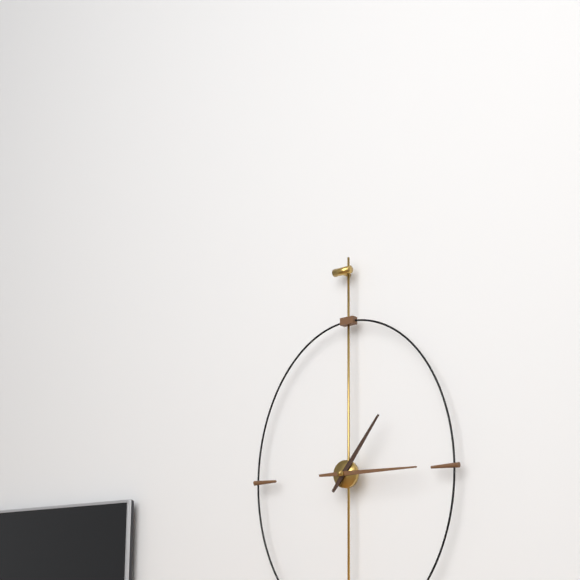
1:15
